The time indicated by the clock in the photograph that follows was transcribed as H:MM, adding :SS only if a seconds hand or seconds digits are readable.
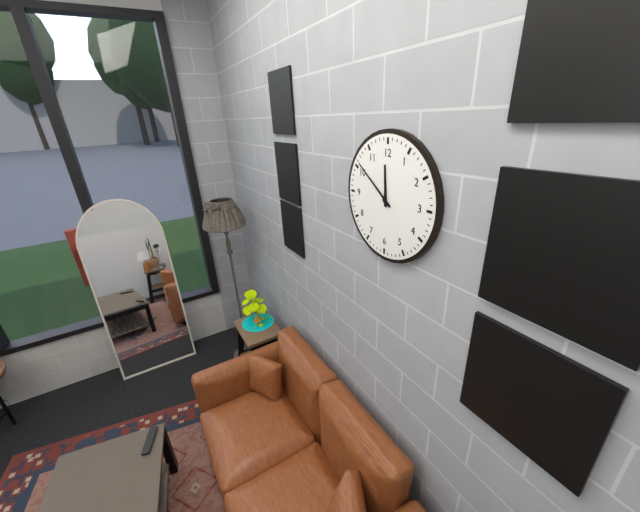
11:51
